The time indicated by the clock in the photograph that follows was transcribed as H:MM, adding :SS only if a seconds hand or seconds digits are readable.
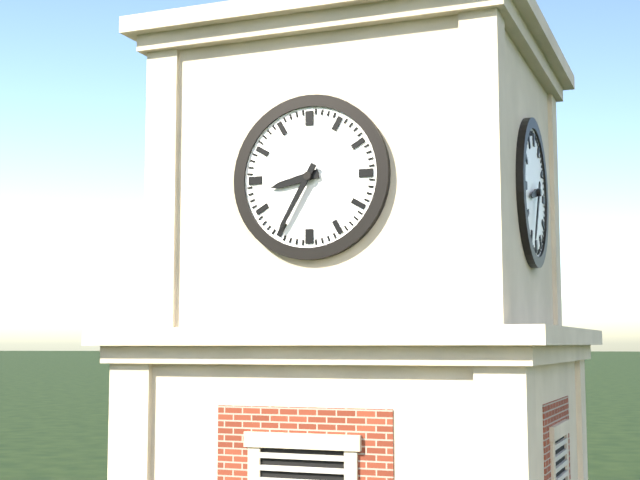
8:35
